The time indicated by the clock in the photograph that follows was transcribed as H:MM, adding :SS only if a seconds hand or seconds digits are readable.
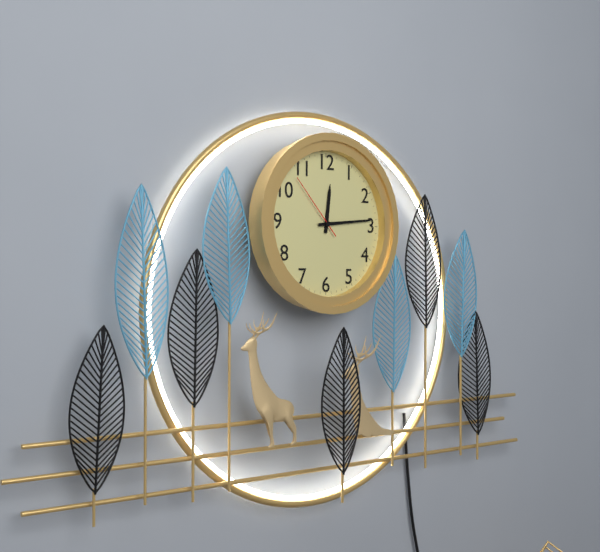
12:14:53
